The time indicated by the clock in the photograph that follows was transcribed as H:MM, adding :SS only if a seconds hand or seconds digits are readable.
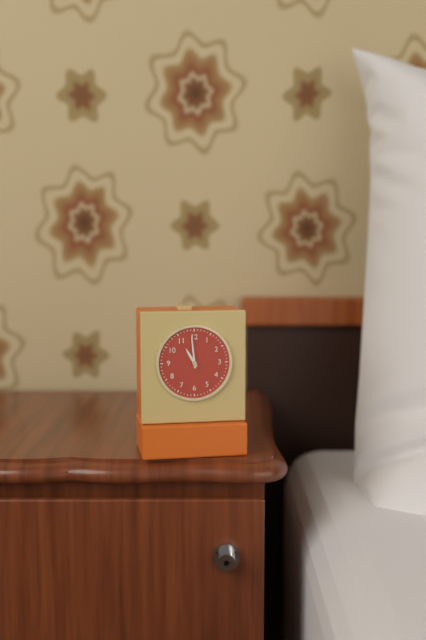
10:59
